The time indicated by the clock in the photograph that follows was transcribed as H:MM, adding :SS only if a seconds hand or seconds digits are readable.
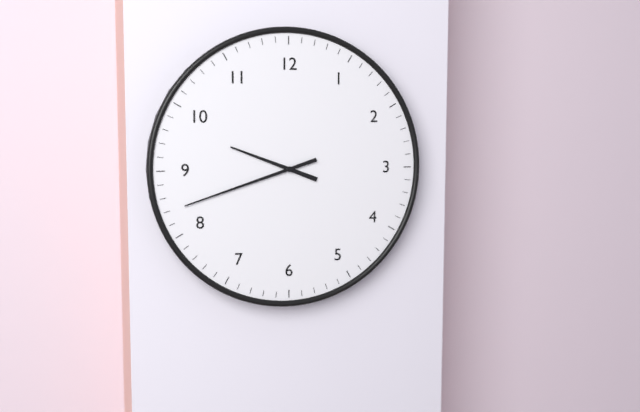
9:42
